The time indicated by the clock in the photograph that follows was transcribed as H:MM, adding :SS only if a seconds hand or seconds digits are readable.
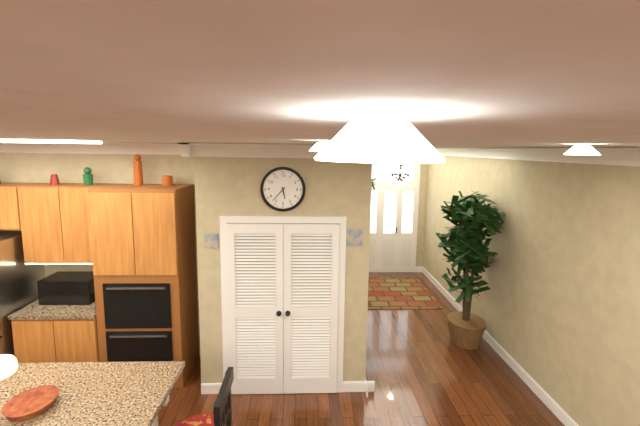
5:37
